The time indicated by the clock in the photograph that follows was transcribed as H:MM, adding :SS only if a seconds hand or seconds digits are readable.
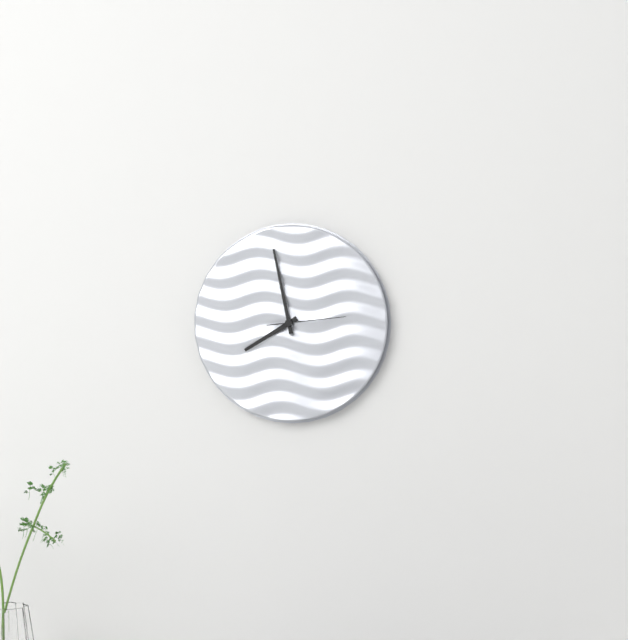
7:58:14
